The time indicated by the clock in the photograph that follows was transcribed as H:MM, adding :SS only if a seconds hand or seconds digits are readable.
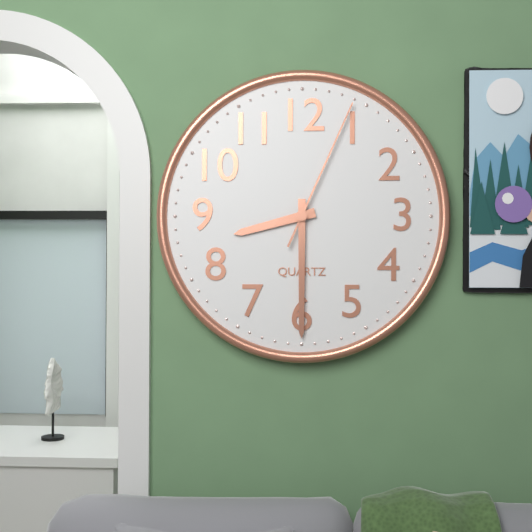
8:30:04
